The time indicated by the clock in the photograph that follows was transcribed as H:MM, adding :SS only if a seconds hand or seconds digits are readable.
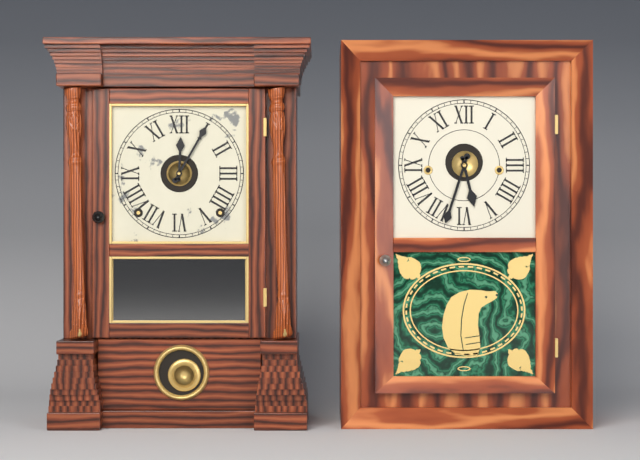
12:05
